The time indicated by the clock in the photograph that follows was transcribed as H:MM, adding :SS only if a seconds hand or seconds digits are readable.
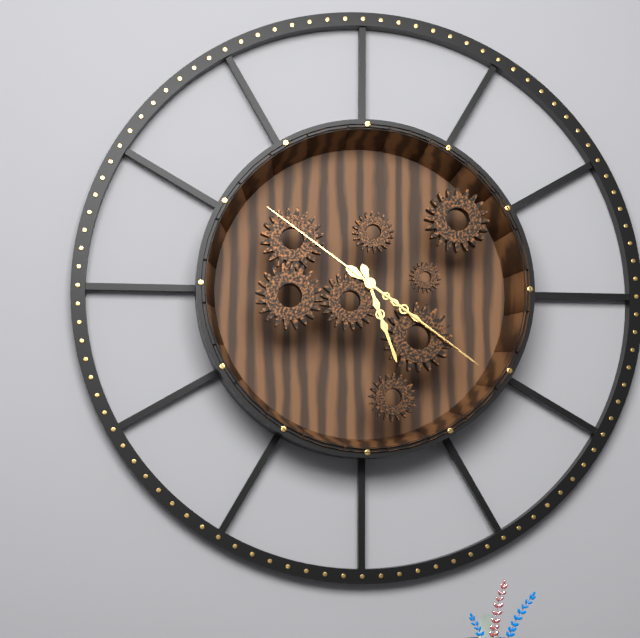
5:21:51
